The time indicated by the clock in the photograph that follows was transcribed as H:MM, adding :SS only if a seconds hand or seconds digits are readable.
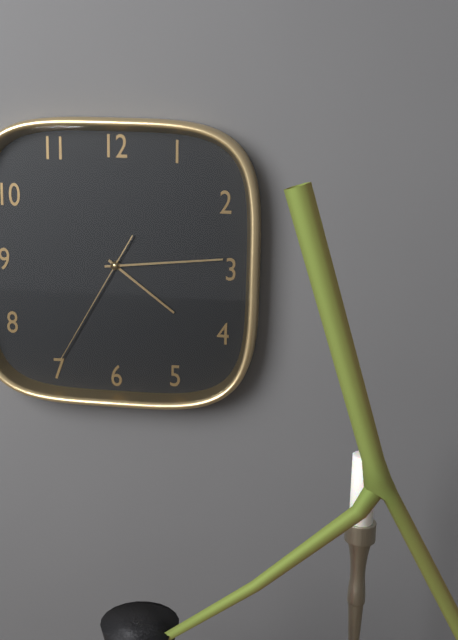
4:14:35
